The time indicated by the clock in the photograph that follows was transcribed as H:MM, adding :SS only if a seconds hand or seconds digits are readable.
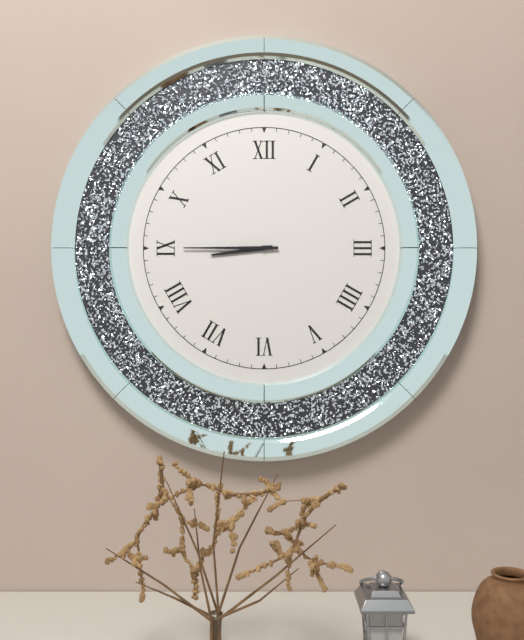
8:45
